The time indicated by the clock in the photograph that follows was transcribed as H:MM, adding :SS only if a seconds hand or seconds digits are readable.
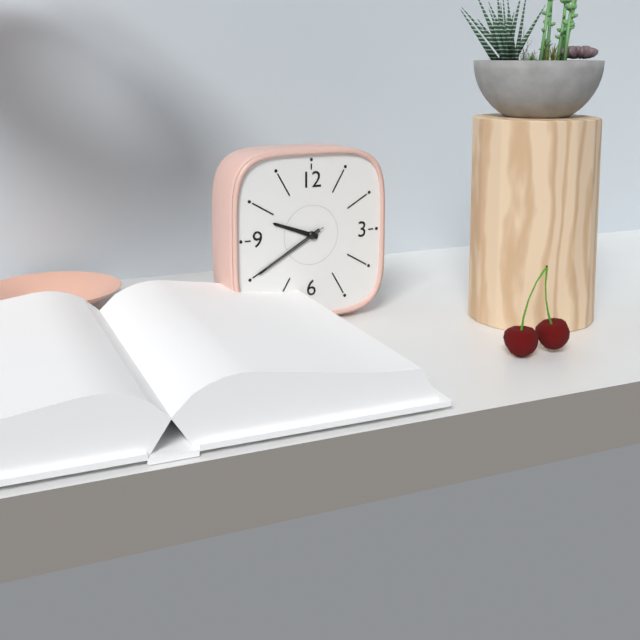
9:40:40
